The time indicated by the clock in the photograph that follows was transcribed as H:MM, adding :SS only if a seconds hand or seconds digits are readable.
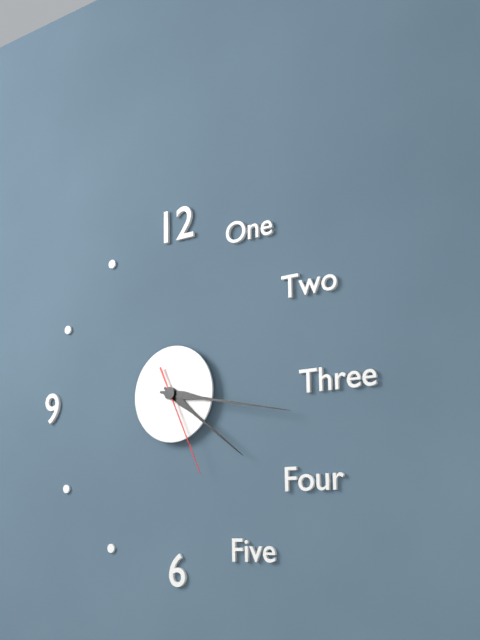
4:17:26
